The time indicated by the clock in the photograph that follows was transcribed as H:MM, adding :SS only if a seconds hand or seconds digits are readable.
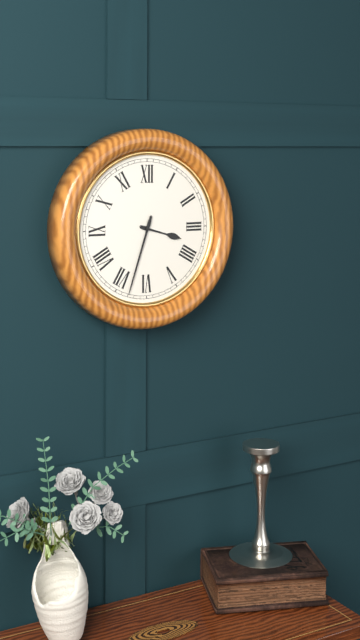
3:33
